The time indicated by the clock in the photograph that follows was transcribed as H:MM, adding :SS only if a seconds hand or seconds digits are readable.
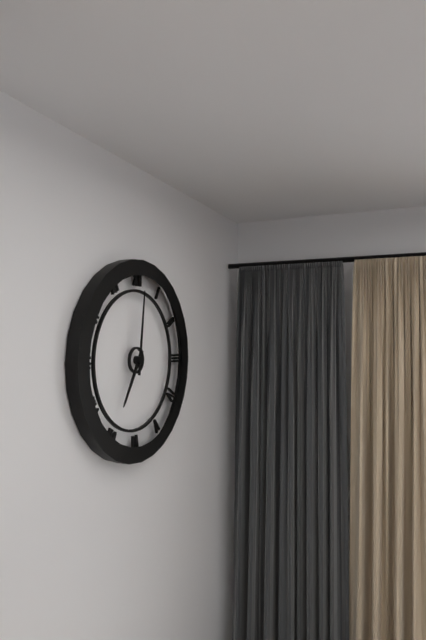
7:01
